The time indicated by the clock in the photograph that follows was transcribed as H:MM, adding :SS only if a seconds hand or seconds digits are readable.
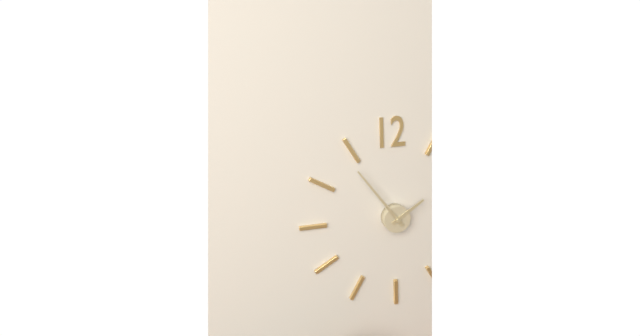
1:54
